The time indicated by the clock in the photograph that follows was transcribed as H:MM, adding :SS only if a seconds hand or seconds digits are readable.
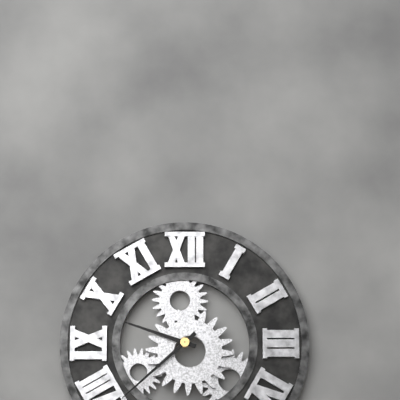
9:38
